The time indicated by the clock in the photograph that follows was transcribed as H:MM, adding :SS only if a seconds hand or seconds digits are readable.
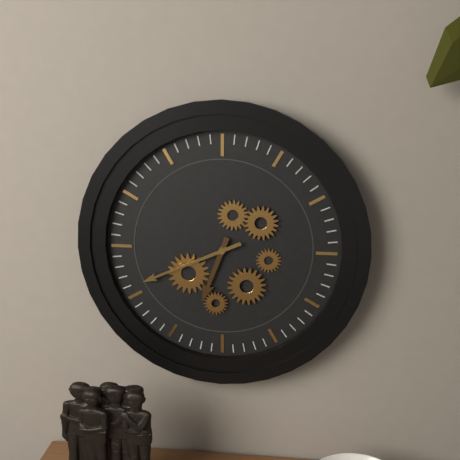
6:41
